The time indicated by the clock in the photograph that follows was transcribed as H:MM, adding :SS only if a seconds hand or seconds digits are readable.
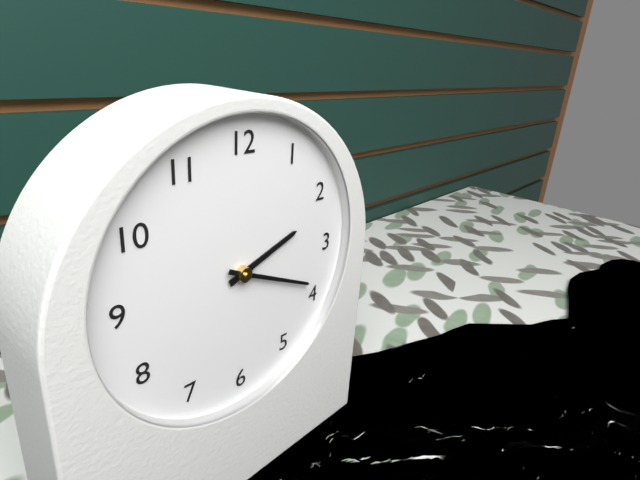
2:19
